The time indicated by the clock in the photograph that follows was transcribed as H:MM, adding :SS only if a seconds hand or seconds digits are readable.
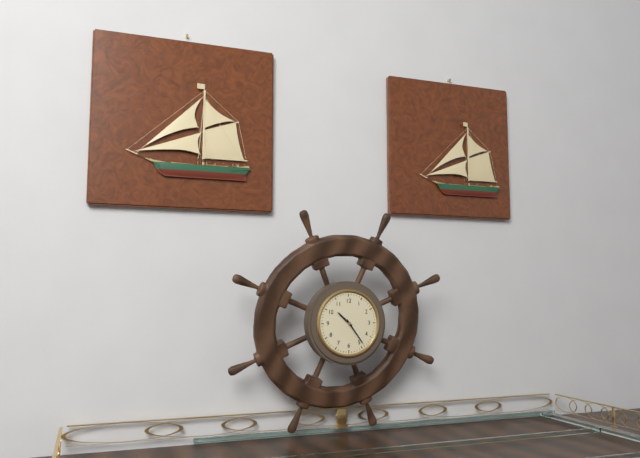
10:24
